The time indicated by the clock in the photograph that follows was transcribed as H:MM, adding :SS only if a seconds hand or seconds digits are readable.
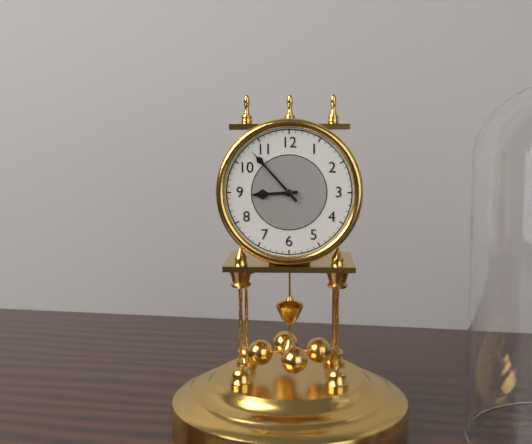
8:53
